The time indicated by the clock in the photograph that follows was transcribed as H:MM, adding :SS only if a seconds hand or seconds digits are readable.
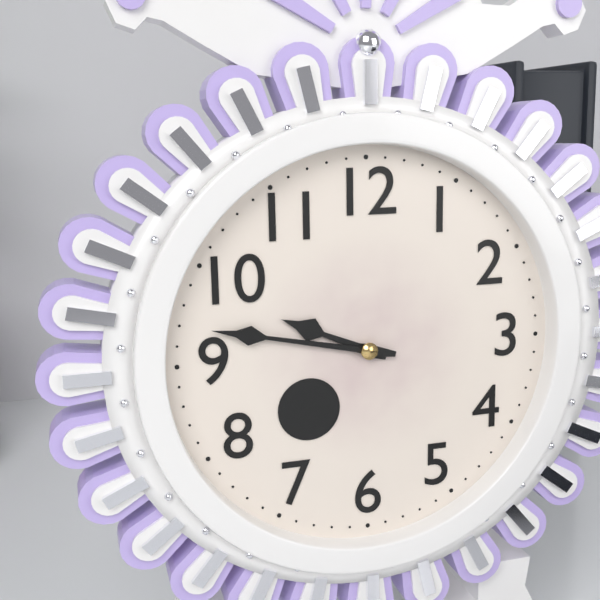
9:47
